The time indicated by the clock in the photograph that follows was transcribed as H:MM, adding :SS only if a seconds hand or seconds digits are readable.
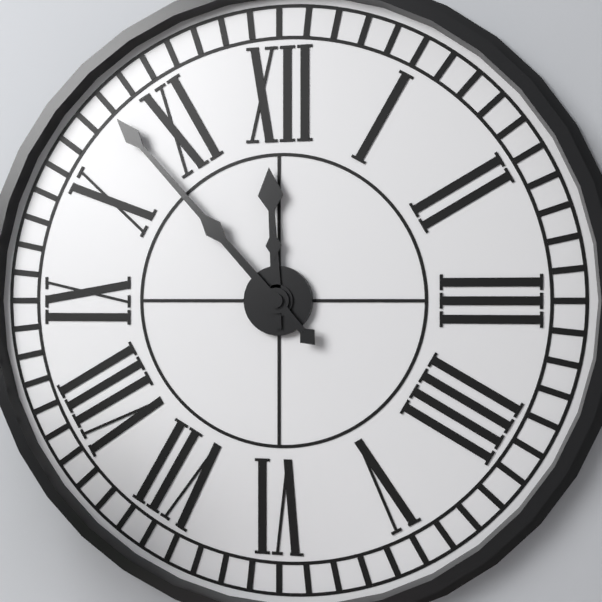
11:53
